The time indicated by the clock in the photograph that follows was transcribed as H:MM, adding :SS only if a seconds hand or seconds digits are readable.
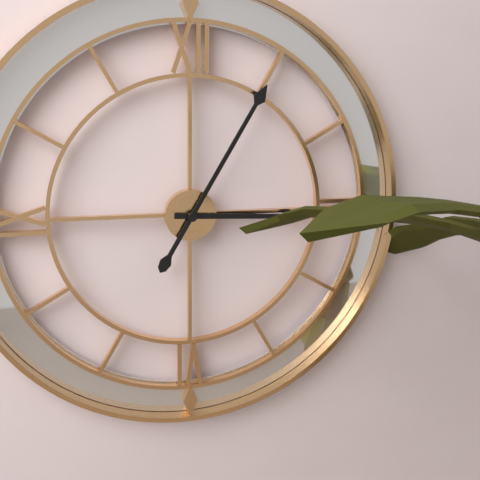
3:05
